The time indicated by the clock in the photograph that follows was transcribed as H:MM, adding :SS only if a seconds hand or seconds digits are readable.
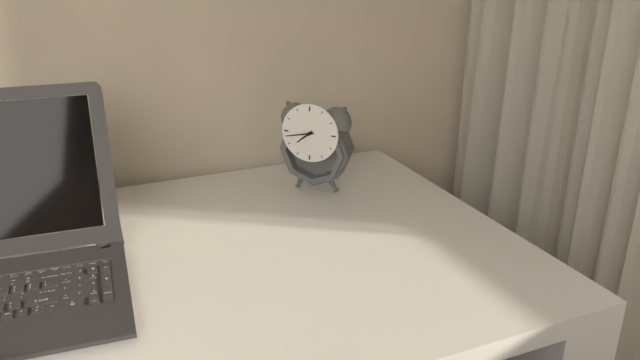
7:43
